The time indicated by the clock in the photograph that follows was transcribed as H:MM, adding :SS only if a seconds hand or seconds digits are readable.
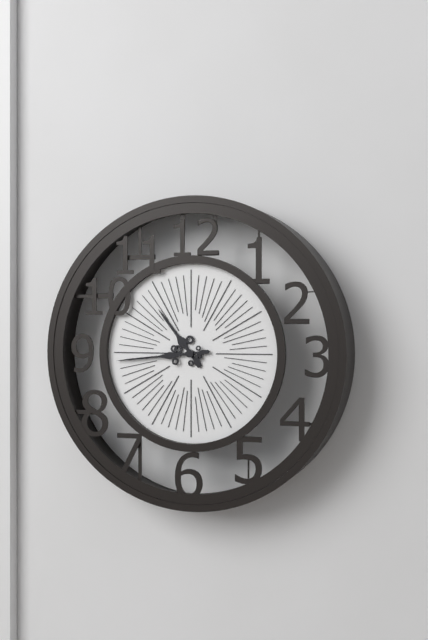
10:44
